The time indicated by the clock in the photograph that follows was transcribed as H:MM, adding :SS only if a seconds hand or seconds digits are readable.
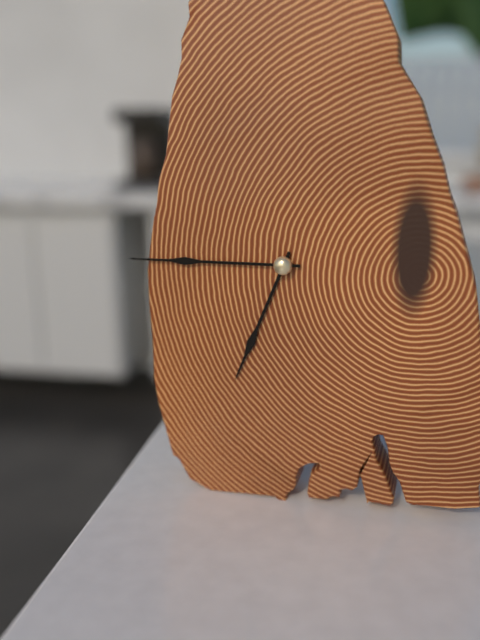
6:45
